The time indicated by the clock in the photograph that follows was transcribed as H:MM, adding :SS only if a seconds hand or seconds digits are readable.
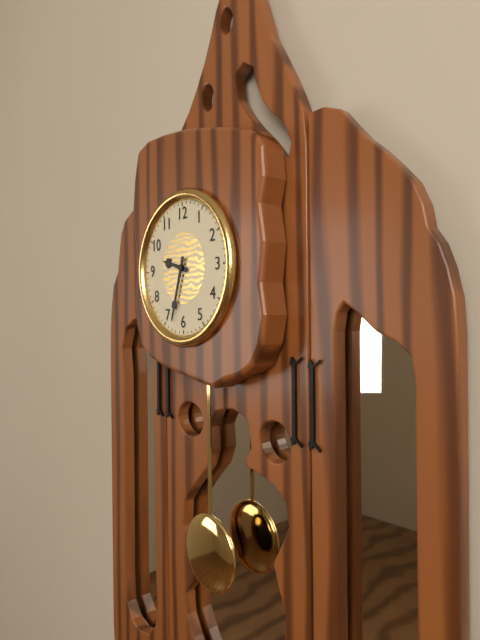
9:33
